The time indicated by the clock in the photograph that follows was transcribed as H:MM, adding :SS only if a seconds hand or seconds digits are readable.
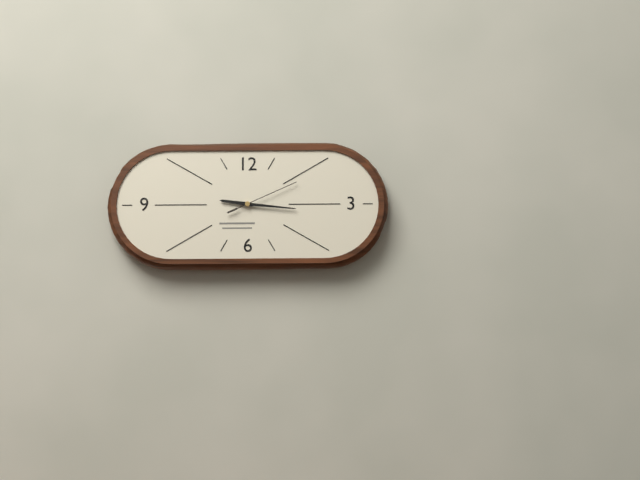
9:16:11
